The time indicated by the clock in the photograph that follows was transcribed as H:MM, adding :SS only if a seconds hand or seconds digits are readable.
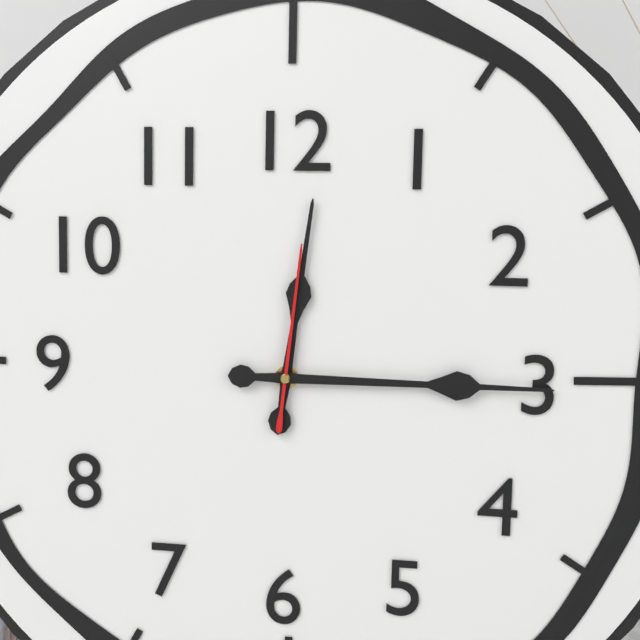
12:15:01
